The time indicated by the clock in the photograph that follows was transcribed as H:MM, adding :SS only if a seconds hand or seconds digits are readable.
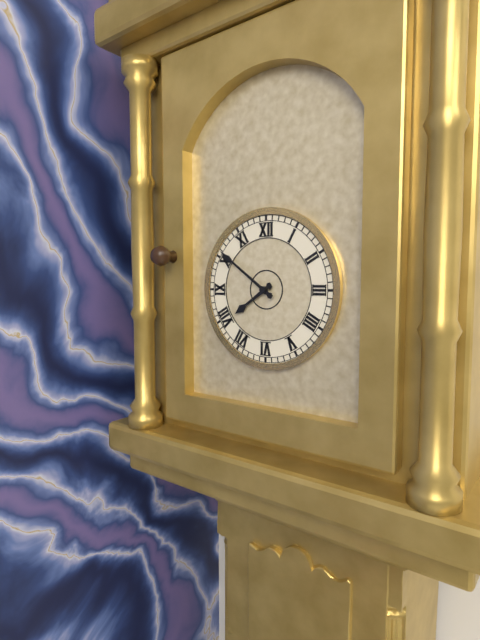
7:51
